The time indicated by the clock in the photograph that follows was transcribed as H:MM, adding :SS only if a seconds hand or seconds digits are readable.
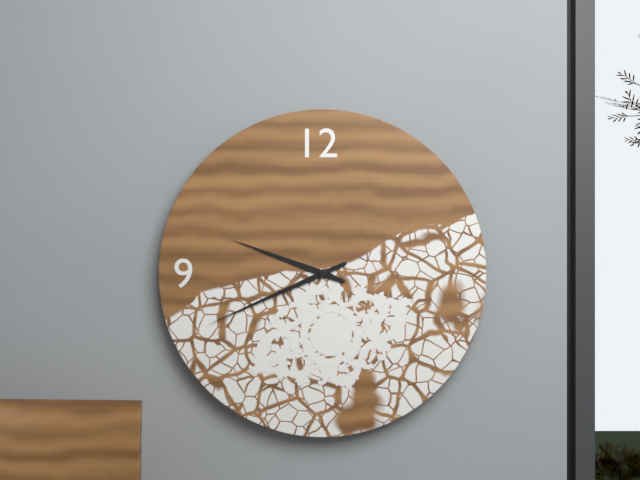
9:41
